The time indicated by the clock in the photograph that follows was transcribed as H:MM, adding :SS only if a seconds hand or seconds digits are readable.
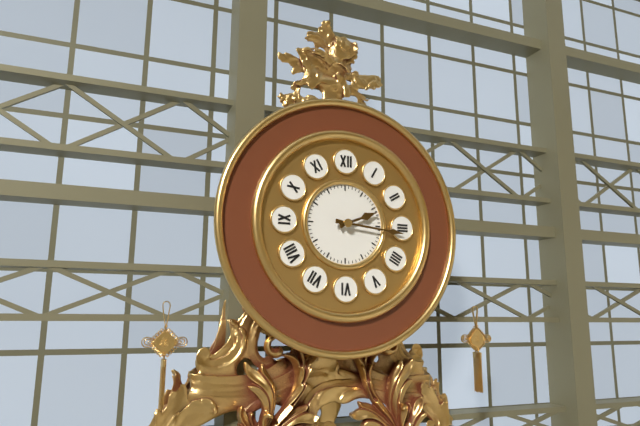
2:16
